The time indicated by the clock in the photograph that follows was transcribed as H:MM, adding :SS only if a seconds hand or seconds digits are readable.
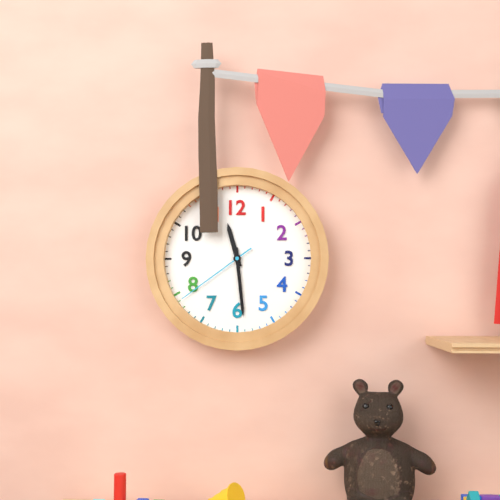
11:29:39
